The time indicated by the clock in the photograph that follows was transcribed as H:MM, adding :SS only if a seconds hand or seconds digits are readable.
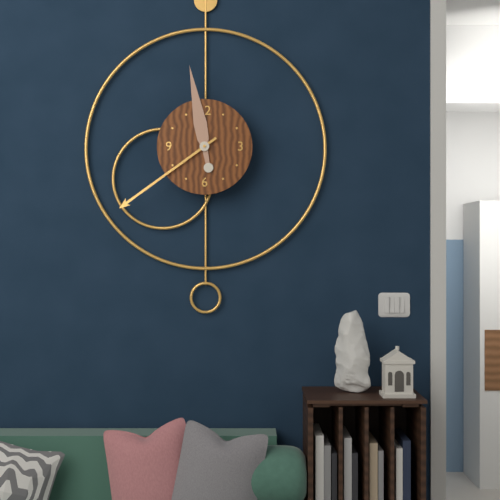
11:39
